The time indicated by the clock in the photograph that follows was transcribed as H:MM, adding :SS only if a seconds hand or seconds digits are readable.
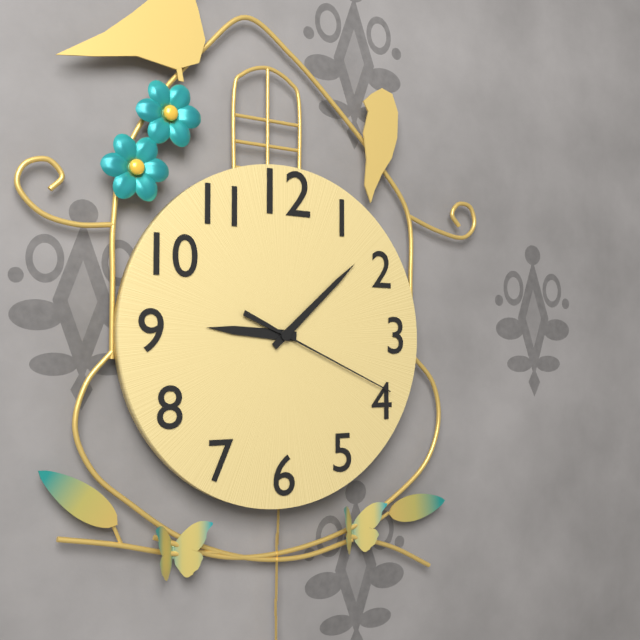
9:08:19
